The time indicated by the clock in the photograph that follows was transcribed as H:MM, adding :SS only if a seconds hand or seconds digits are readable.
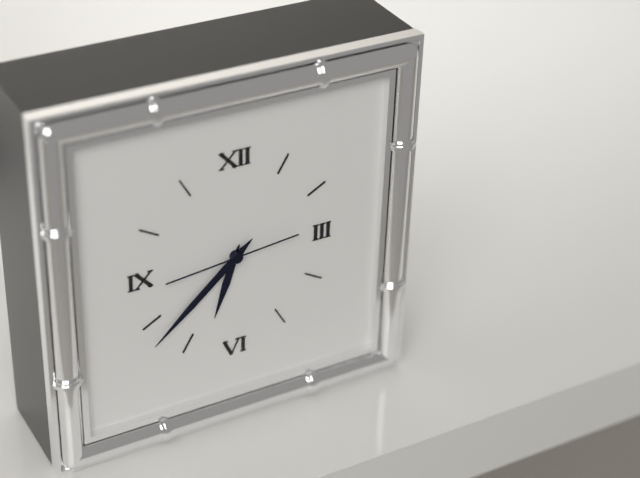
6:38:44
